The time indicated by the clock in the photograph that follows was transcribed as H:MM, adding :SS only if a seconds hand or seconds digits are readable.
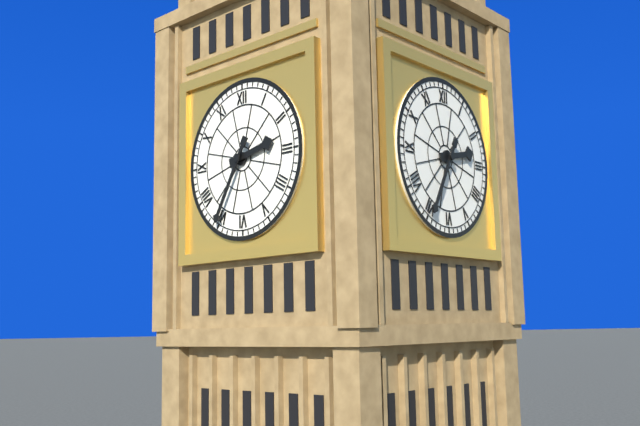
2:35
